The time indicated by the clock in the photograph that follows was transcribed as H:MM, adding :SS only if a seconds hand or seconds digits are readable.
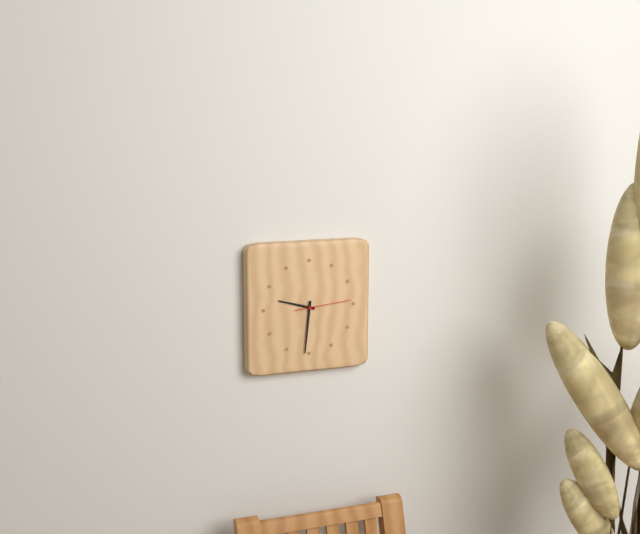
9:31:14
